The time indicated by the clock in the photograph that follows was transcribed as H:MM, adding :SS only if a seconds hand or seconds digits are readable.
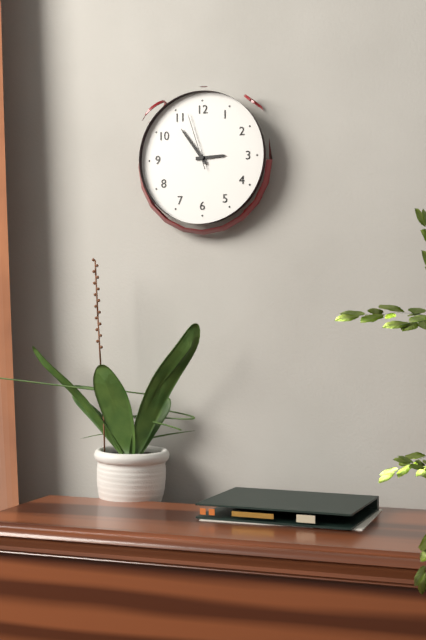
2:54:57
